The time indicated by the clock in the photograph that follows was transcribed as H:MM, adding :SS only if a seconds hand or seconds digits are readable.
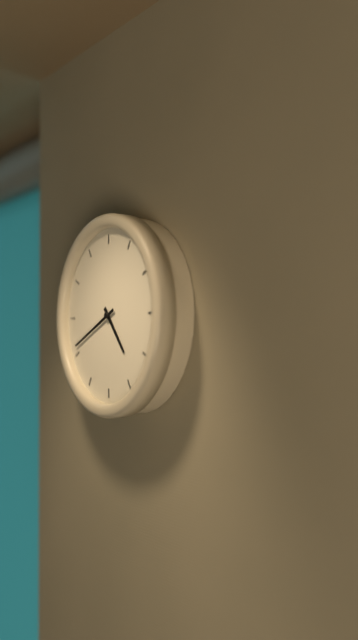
4:41
